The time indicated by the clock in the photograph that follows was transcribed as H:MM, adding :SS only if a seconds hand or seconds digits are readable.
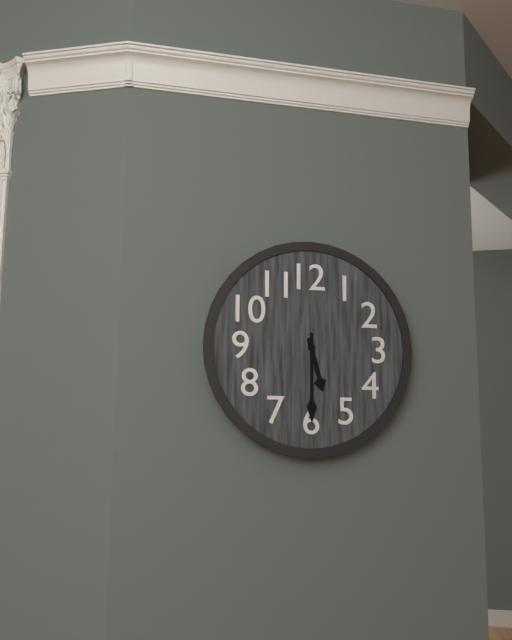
5:30
